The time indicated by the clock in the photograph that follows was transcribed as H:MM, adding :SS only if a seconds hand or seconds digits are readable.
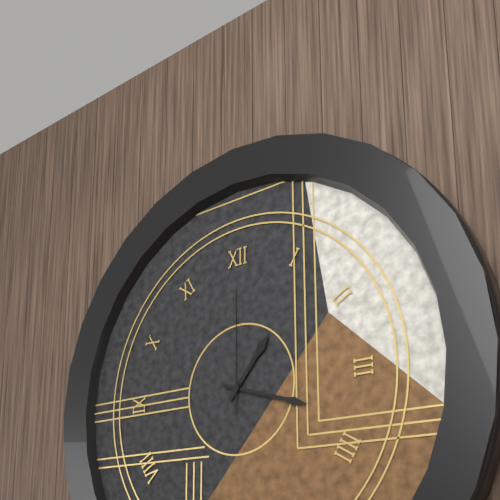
1:18:00
